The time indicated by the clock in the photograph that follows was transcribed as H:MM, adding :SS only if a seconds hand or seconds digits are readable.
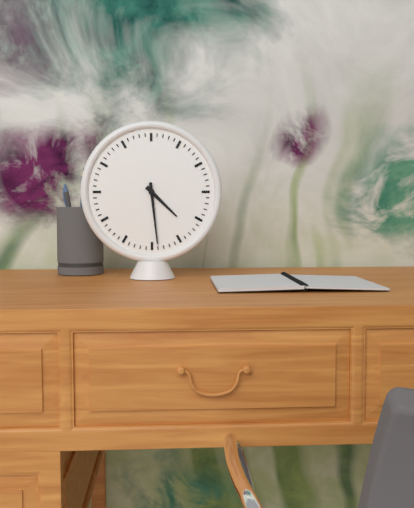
4:29
